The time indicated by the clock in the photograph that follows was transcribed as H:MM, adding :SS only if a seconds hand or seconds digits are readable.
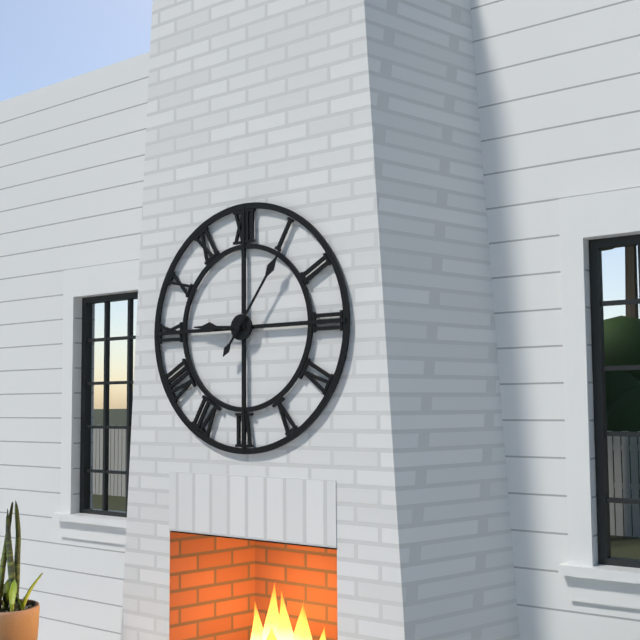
9:06
